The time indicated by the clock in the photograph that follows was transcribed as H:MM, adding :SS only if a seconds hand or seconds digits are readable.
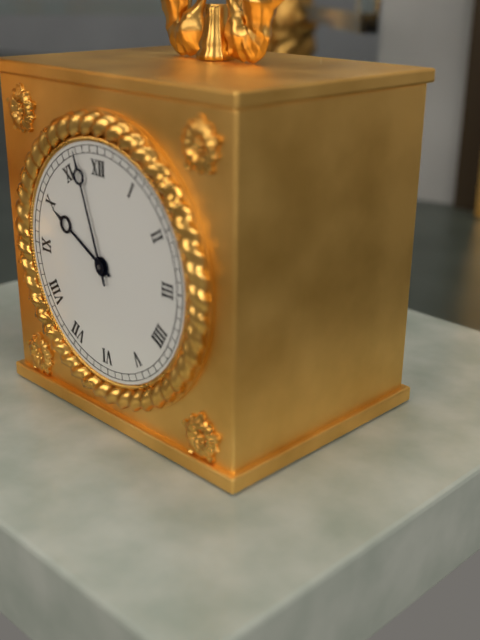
9:57
